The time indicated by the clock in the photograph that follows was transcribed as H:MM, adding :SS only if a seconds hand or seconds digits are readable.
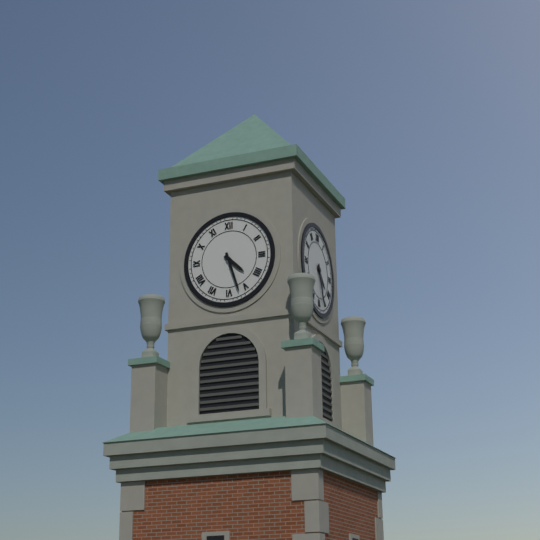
4:27
